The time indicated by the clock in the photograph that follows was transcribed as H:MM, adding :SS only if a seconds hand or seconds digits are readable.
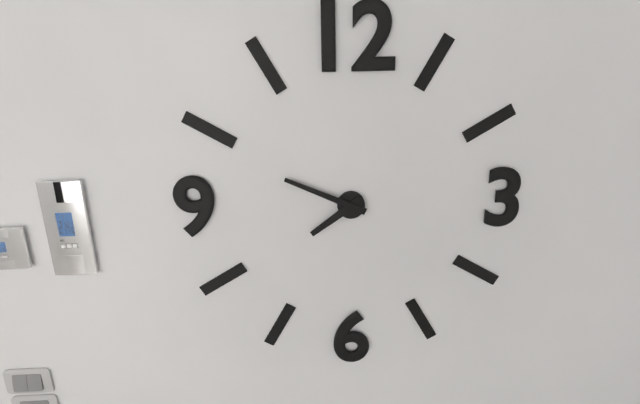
7:49
